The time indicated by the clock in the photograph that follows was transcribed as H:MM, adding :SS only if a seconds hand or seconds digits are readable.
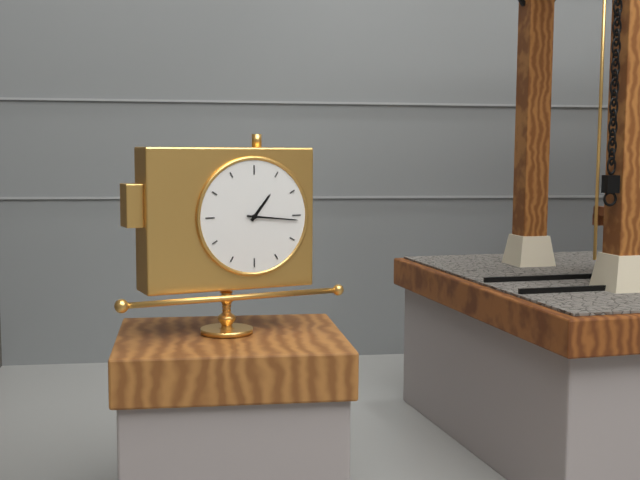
1:16
